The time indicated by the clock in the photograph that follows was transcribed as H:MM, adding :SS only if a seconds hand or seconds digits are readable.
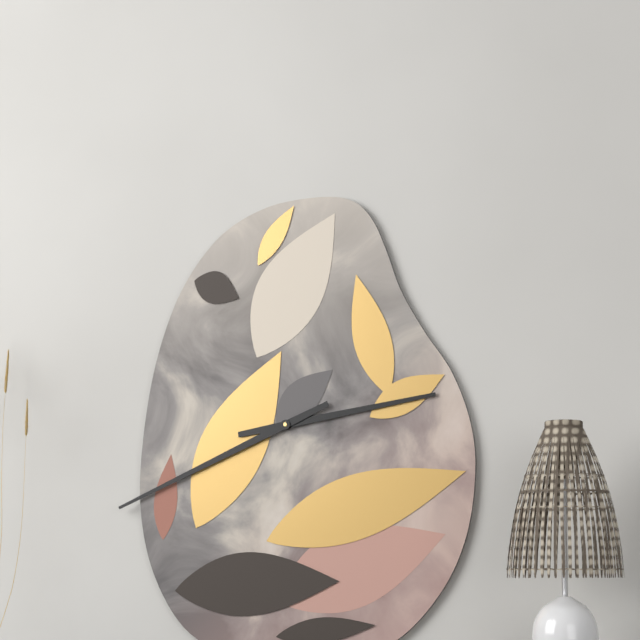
2:41
